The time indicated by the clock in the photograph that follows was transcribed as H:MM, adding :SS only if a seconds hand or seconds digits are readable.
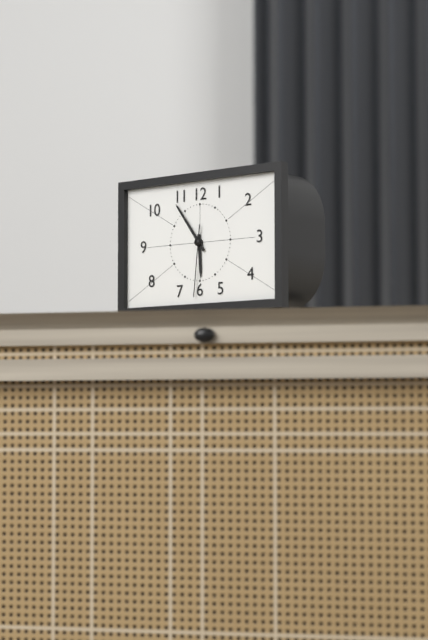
5:54:31
